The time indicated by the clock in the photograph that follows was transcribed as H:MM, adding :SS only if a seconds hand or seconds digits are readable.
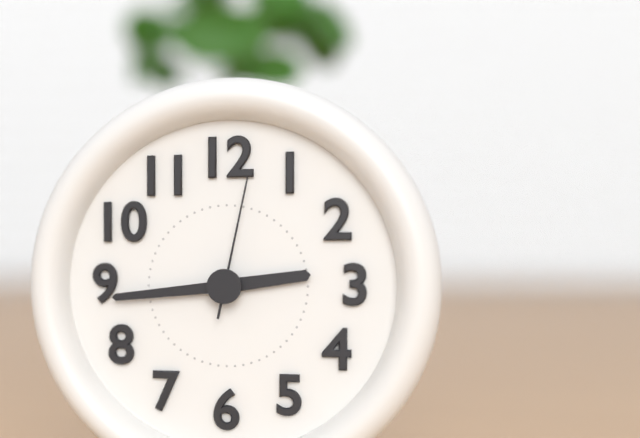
2:44:02
